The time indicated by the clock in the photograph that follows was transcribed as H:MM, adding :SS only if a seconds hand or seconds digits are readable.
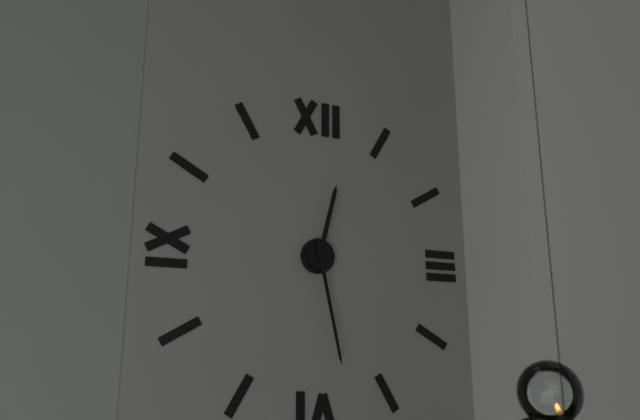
12:28
